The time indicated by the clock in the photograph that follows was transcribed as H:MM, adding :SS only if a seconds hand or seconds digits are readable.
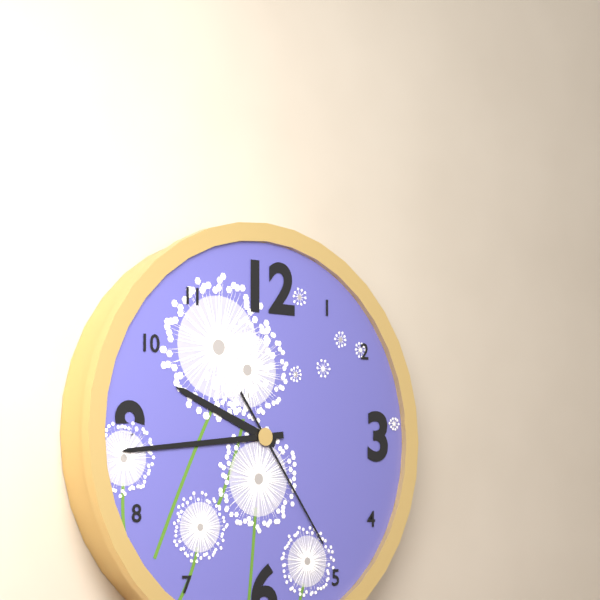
9:44:24
